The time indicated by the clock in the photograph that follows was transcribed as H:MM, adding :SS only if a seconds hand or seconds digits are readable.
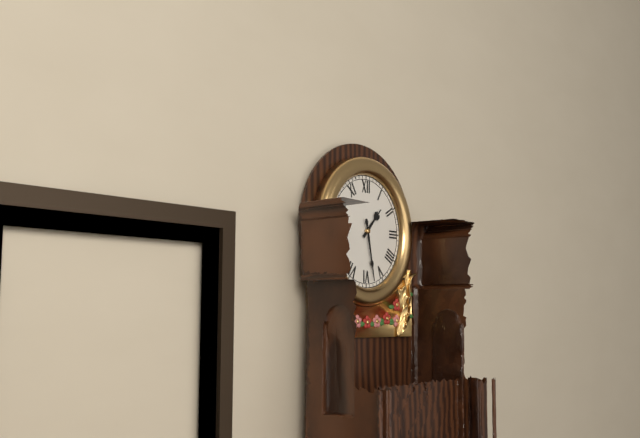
1:28
